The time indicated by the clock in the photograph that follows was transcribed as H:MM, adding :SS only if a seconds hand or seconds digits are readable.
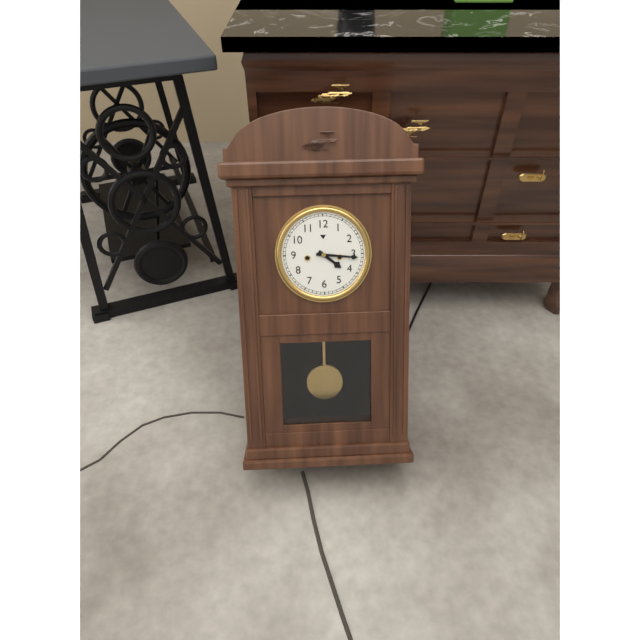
4:16
